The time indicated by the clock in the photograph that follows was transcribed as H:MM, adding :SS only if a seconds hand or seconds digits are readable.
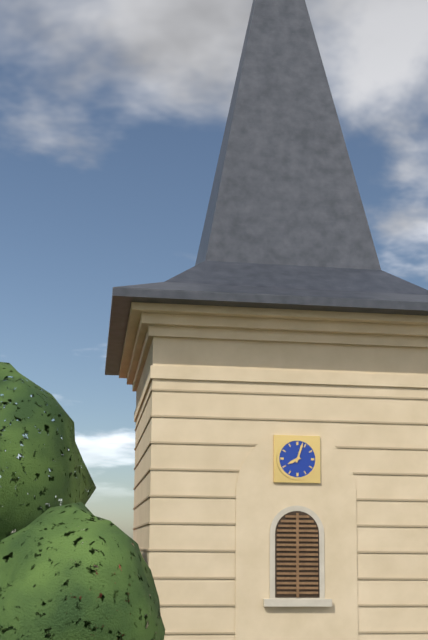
8:03
